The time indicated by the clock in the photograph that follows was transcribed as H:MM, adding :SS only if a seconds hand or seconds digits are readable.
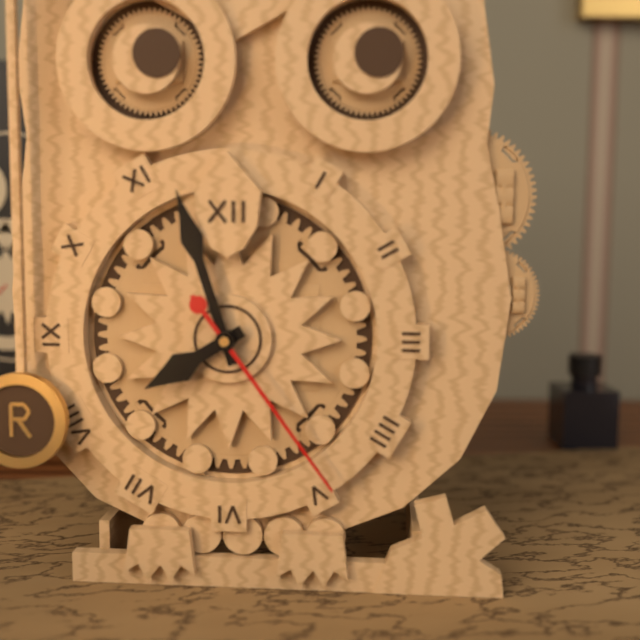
7:57:24
